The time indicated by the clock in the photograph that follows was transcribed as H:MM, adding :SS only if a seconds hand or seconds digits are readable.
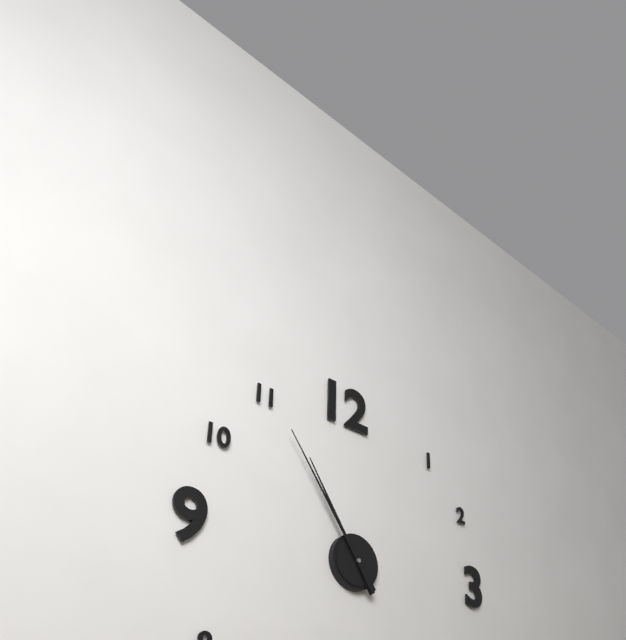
10:54
